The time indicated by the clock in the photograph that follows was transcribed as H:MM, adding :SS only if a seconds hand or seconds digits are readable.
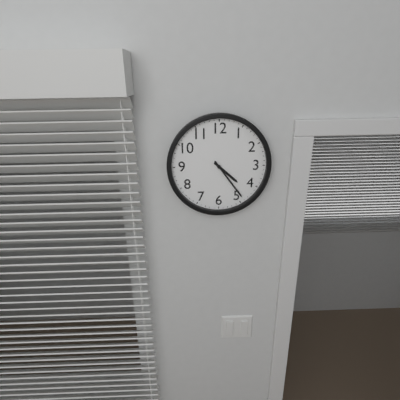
4:24
